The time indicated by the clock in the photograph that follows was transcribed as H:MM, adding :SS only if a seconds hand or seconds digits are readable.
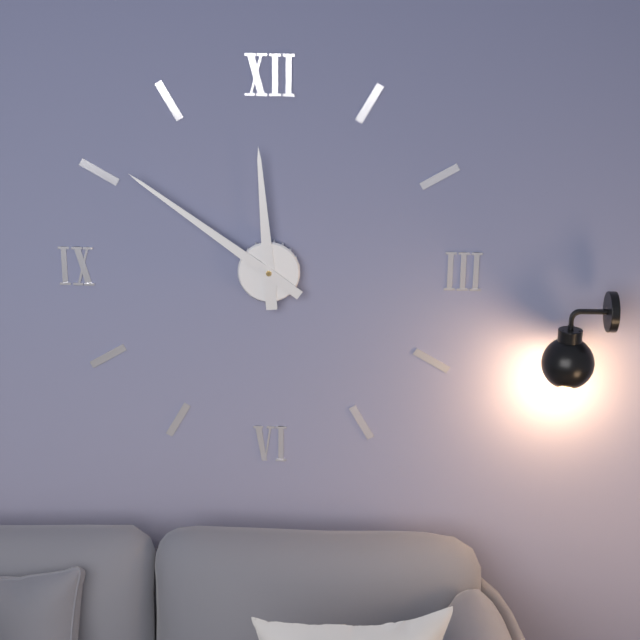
11:51
